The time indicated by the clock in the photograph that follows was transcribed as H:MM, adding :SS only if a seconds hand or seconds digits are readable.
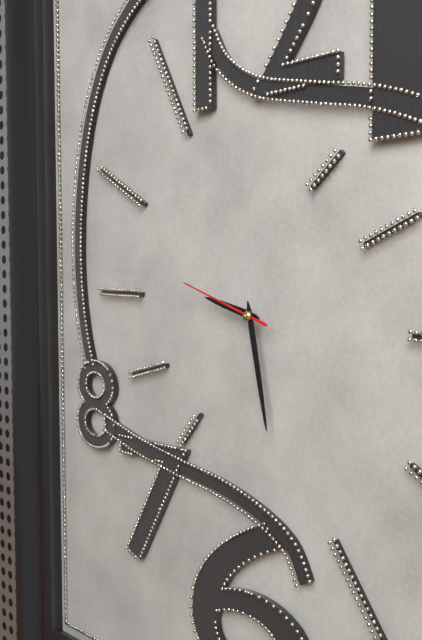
9:28:48
